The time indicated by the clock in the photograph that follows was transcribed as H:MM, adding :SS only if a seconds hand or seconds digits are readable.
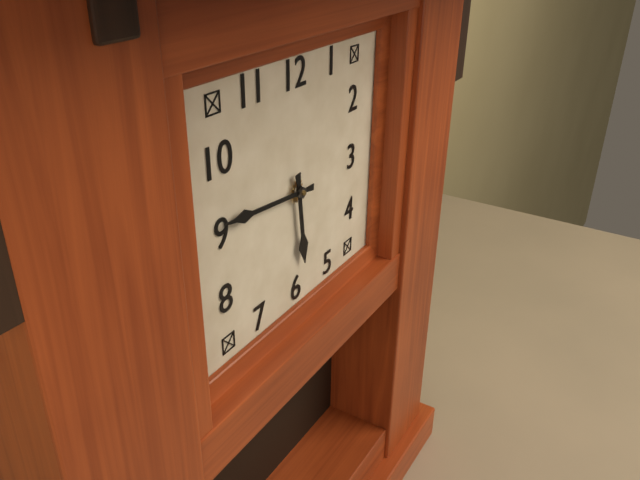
5:46
